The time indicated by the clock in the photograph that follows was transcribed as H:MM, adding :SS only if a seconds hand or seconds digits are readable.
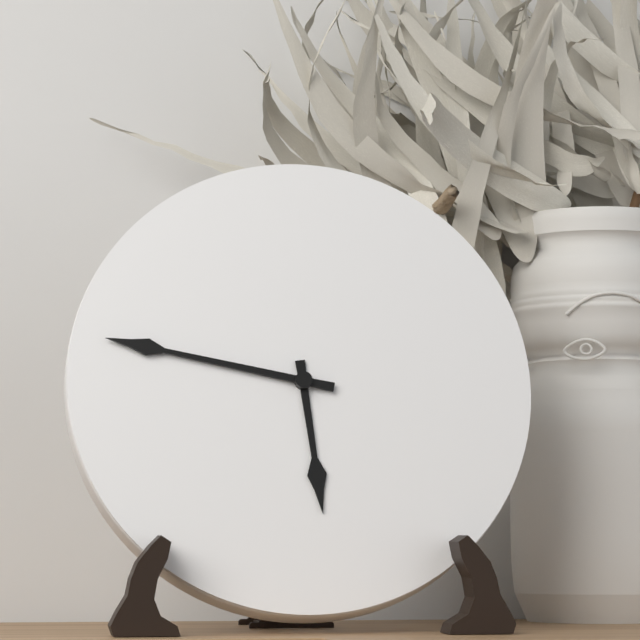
5:47
